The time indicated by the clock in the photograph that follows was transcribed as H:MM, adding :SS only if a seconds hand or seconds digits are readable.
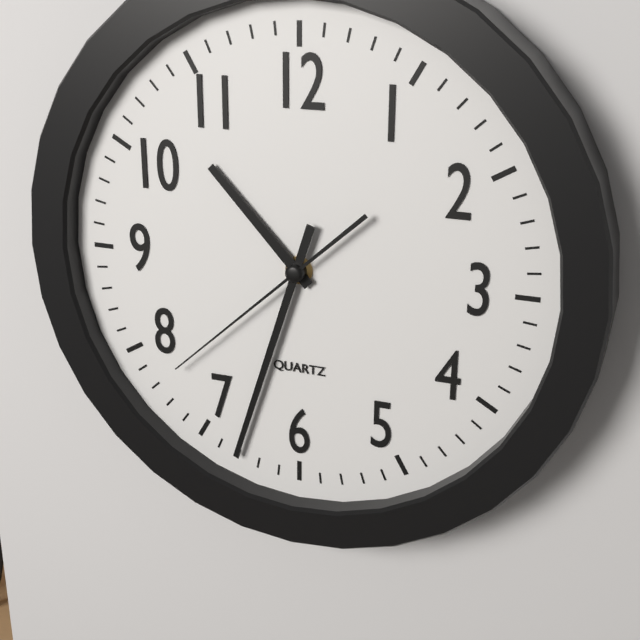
10:33:38
